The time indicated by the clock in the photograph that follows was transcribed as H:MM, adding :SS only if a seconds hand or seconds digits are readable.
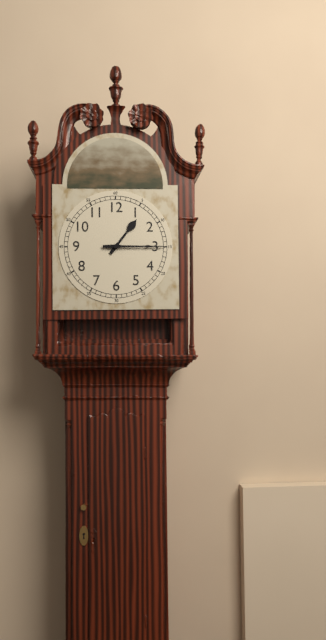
1:15
